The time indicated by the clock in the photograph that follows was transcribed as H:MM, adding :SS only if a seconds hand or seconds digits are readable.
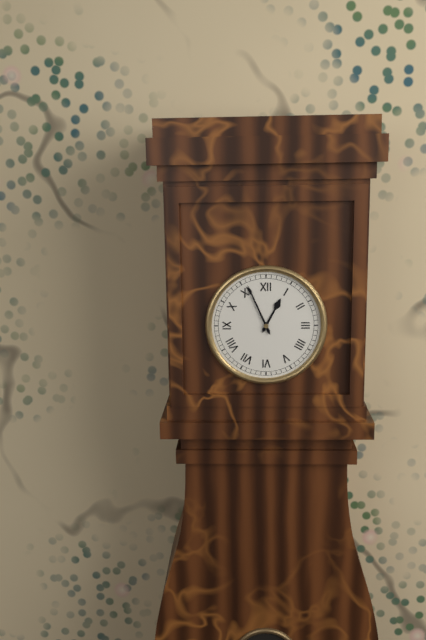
12:56
